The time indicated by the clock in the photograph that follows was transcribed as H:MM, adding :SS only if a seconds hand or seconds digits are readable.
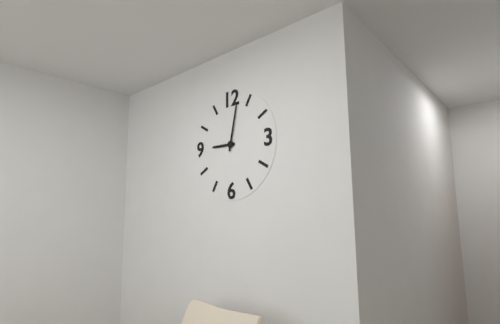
9:02
